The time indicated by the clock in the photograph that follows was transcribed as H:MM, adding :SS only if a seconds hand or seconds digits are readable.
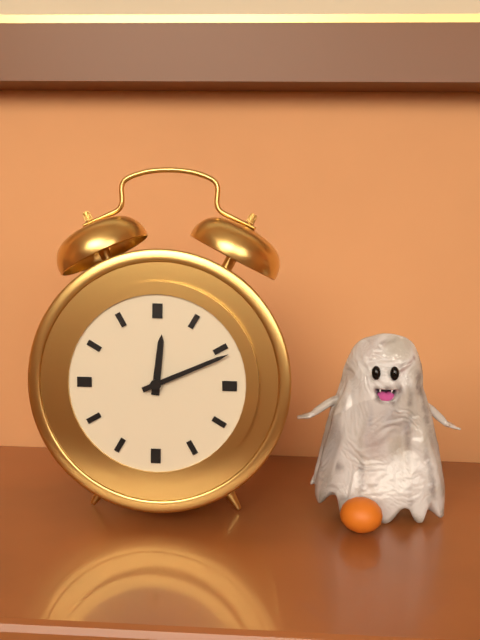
12:11
